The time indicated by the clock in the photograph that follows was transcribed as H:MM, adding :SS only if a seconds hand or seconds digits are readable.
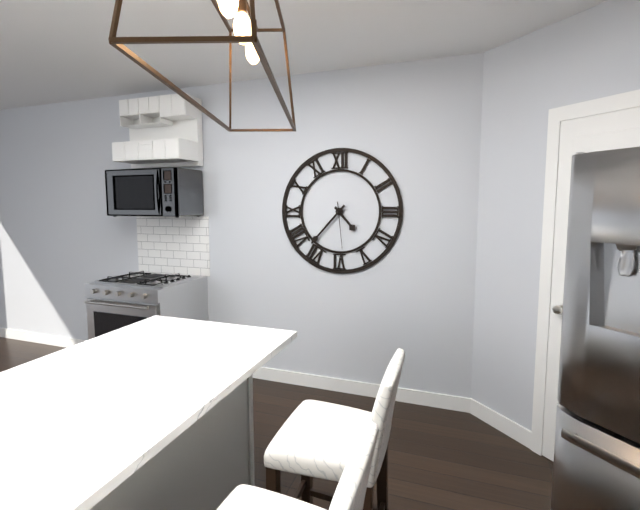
4:37
